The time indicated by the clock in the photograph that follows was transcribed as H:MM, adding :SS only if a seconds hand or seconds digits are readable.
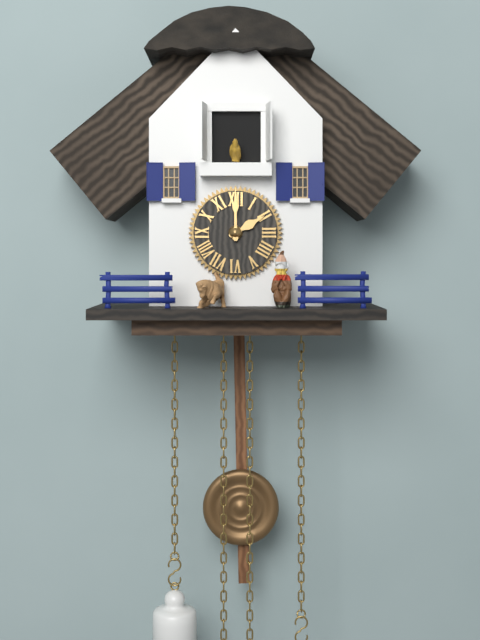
2:00
